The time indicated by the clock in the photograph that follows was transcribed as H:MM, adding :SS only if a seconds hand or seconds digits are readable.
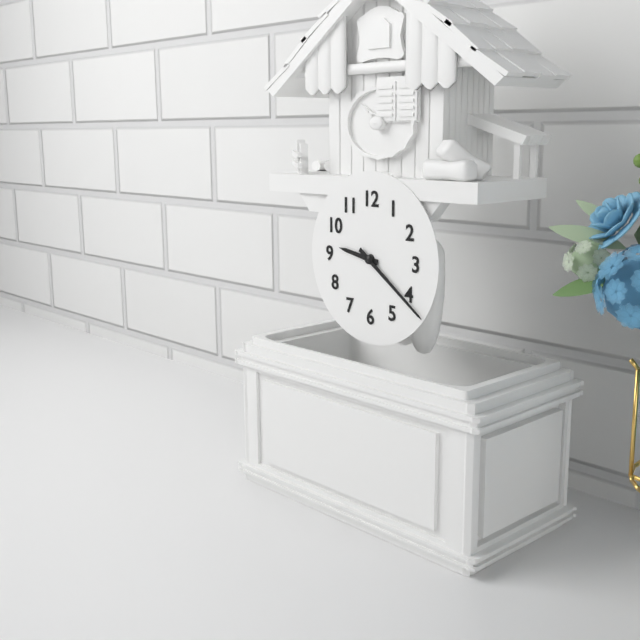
9:21
